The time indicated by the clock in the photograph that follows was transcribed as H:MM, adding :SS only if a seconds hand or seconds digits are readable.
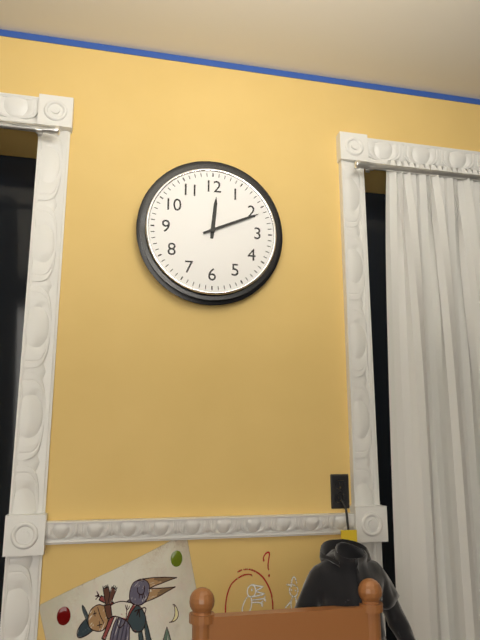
12:11
